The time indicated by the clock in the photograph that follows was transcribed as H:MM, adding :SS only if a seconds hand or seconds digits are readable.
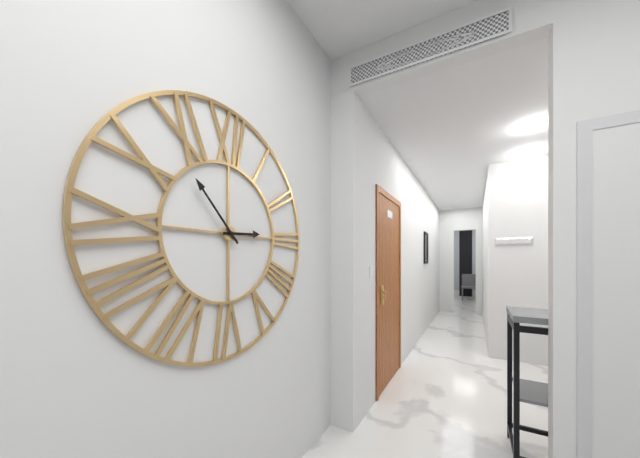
2:53
